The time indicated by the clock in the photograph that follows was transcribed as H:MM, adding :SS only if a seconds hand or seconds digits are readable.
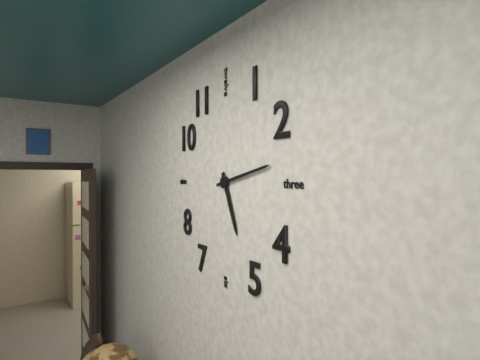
5:13
